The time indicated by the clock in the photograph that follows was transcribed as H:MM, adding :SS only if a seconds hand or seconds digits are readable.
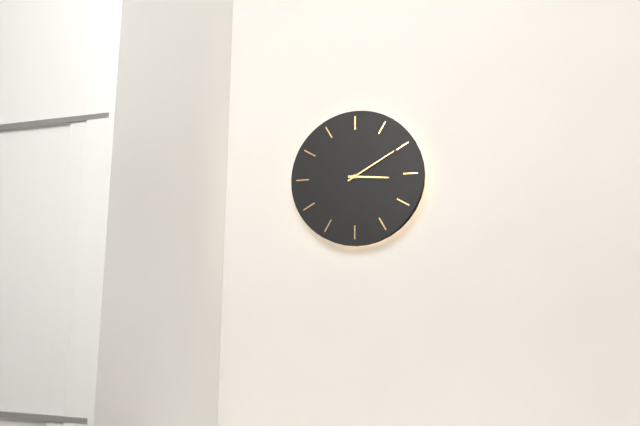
3:10
